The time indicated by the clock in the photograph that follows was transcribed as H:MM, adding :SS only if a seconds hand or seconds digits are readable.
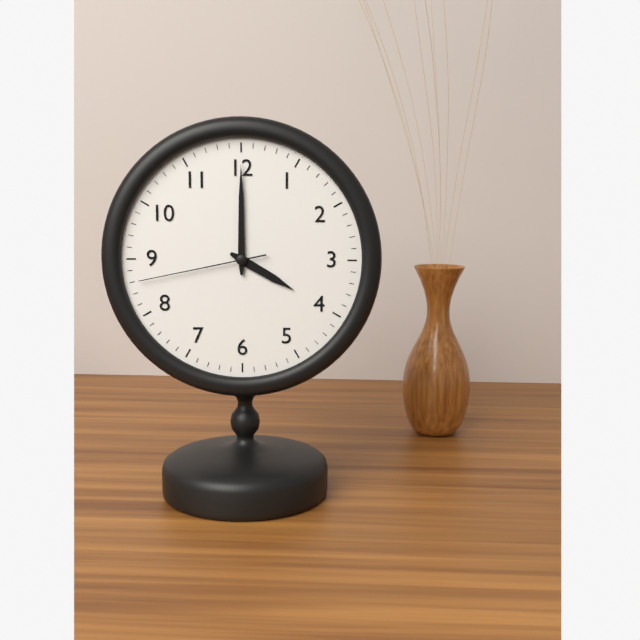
4:00:43
